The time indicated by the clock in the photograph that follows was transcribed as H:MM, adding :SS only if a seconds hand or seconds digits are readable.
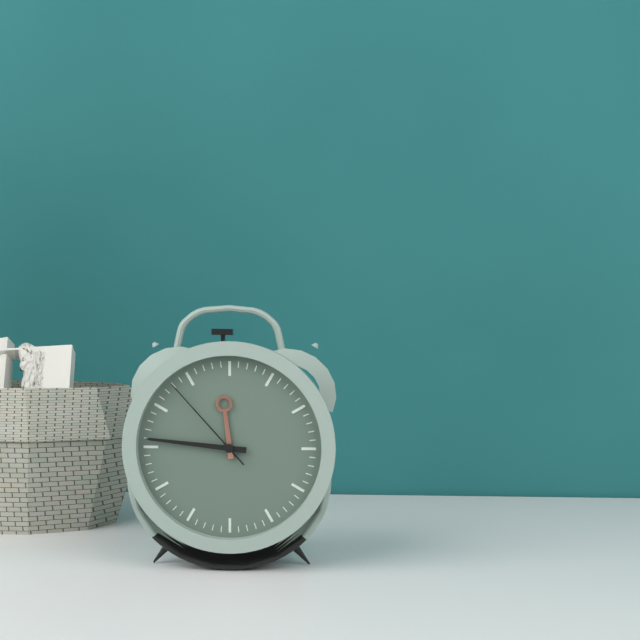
11:46:53
